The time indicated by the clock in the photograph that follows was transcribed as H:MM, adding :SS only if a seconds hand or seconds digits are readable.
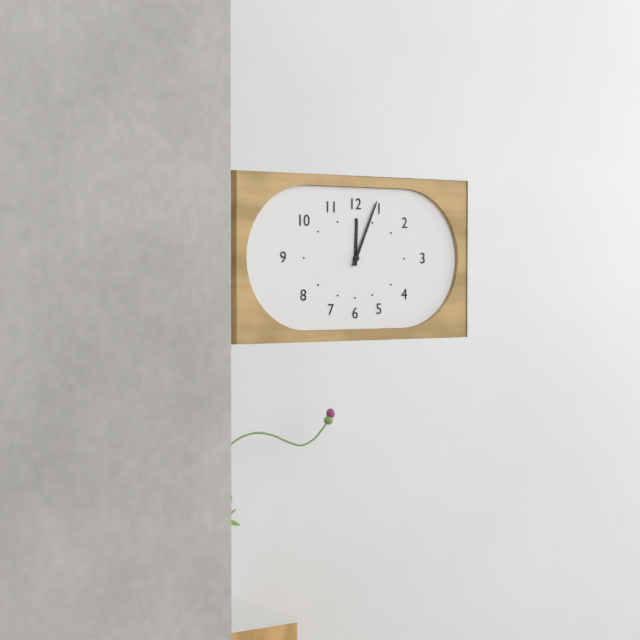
12:04
